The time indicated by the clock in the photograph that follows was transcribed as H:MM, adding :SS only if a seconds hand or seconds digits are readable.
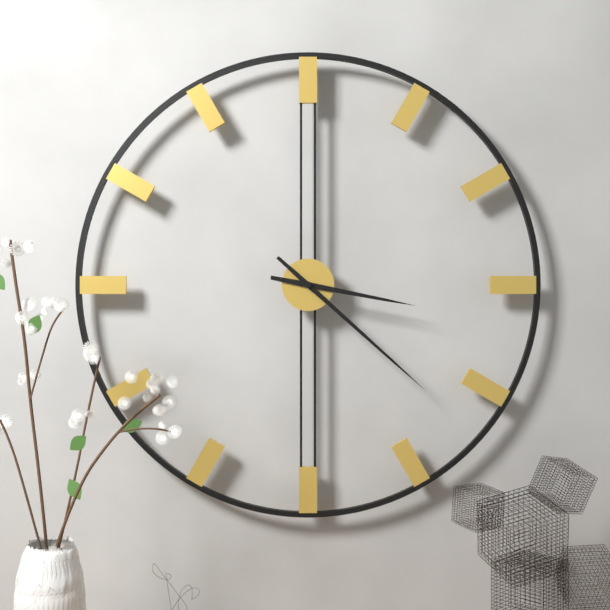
3:22
